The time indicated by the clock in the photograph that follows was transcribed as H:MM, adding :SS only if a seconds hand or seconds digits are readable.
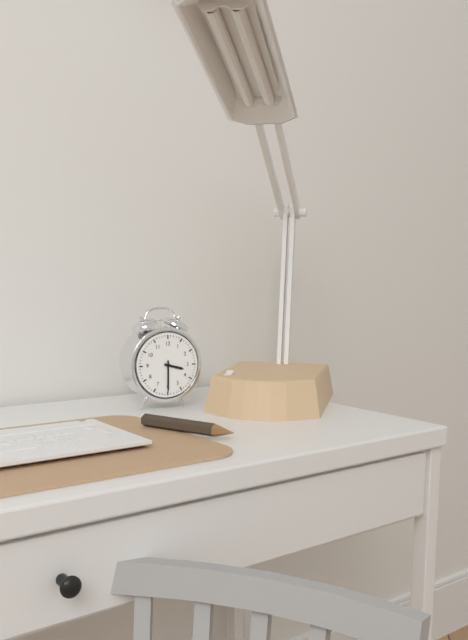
3:30
